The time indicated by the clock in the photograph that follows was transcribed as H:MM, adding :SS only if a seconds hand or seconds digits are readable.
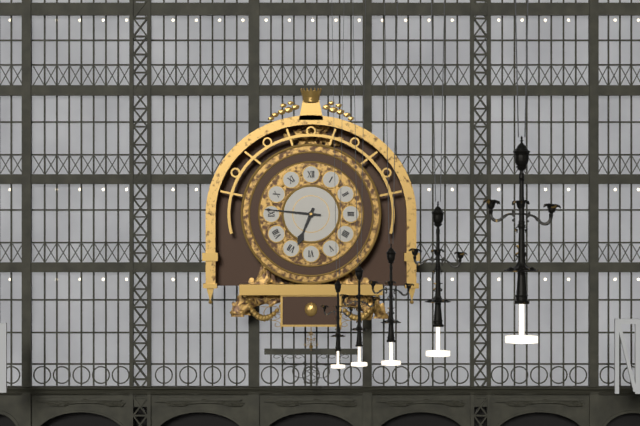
6:46
